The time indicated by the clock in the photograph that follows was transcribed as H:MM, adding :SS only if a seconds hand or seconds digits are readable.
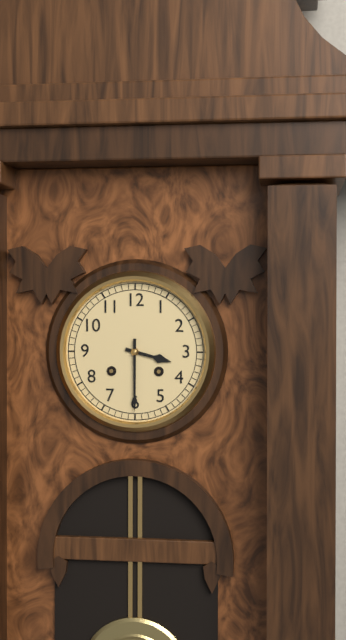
3:30
